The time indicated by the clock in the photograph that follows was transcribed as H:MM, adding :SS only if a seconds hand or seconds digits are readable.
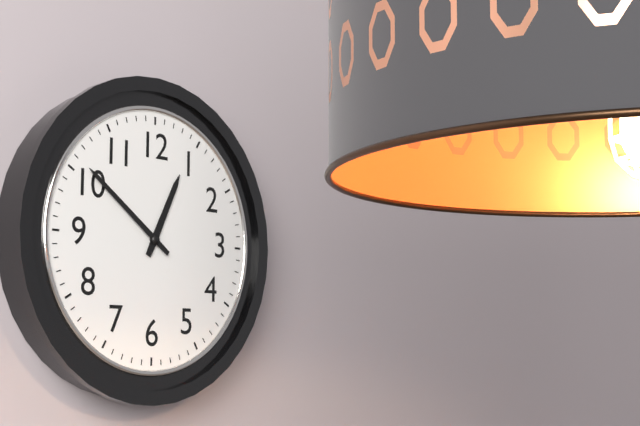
12:51
